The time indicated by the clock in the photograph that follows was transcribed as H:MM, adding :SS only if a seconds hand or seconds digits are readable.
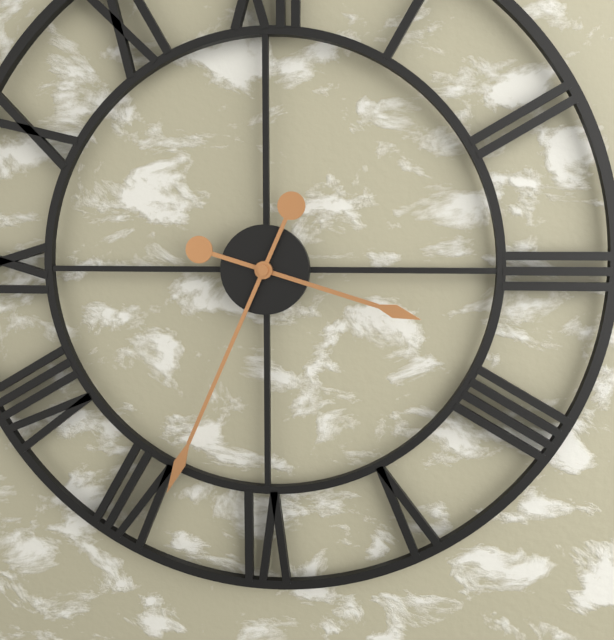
3:34
